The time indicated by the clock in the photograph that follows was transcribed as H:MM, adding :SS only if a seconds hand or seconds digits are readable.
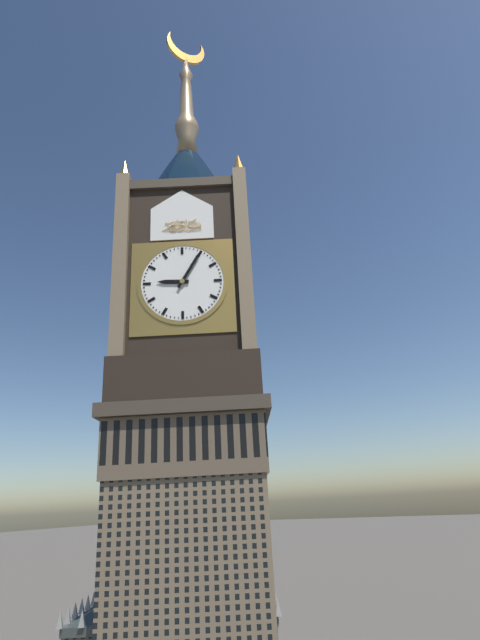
9:05
